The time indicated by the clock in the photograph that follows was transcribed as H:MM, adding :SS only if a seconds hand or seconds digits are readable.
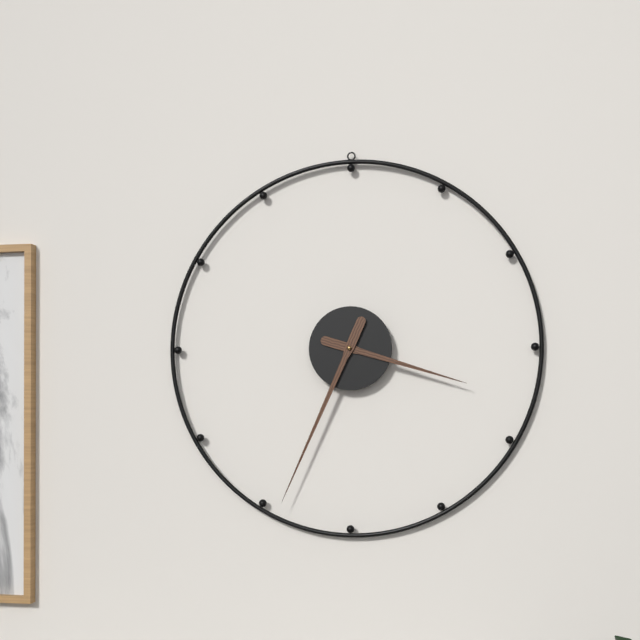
3:34
